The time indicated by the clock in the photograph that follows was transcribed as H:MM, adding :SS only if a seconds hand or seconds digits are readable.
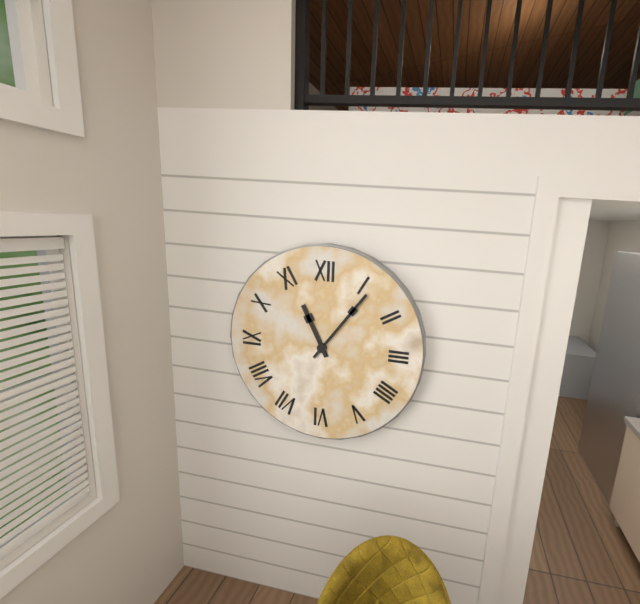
11:06
